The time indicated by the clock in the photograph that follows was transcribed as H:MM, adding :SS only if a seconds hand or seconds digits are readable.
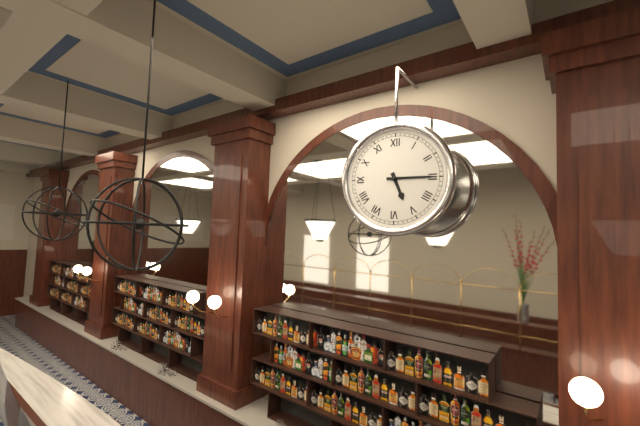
5:15
